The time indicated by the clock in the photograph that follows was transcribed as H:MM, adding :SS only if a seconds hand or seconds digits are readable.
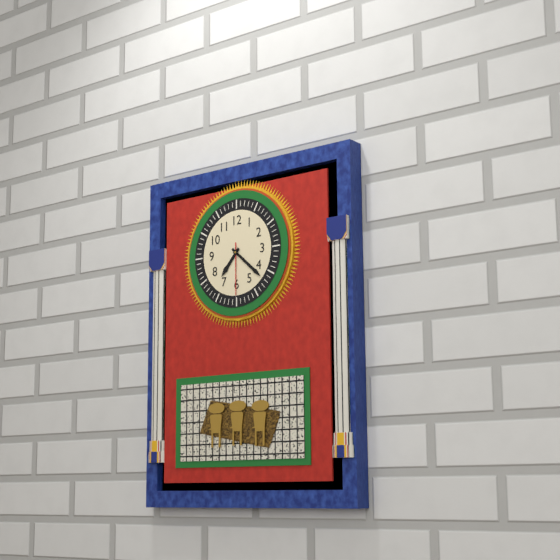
7:22:30
